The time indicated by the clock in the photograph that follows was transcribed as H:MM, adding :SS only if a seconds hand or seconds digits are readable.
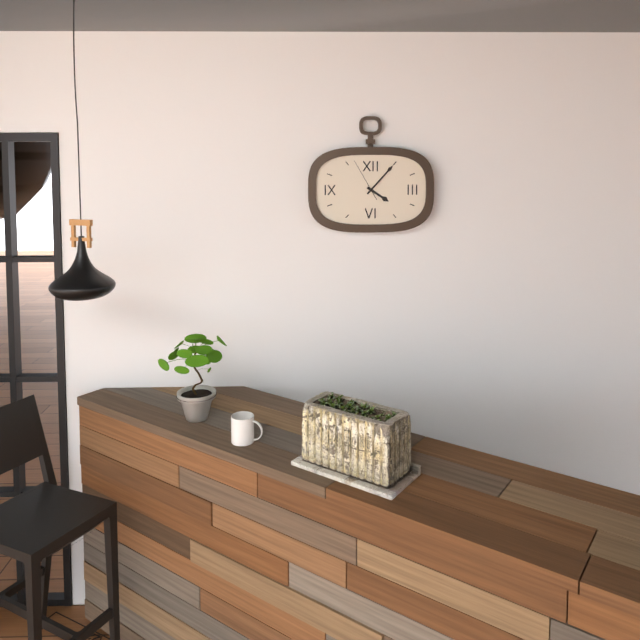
4:07
